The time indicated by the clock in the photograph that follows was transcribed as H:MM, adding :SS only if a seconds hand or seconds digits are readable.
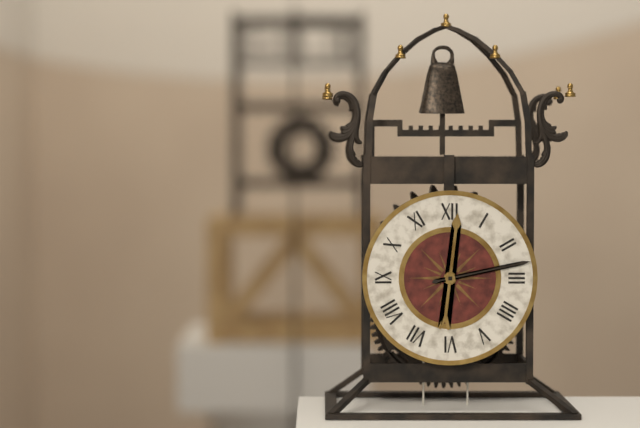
12:13
